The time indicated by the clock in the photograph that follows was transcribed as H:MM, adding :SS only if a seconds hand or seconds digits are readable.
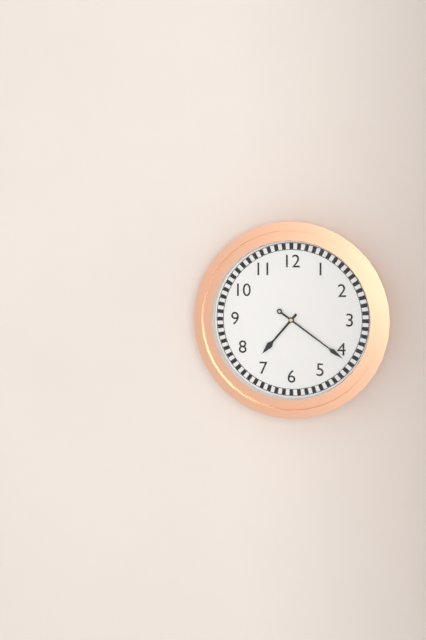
7:21
